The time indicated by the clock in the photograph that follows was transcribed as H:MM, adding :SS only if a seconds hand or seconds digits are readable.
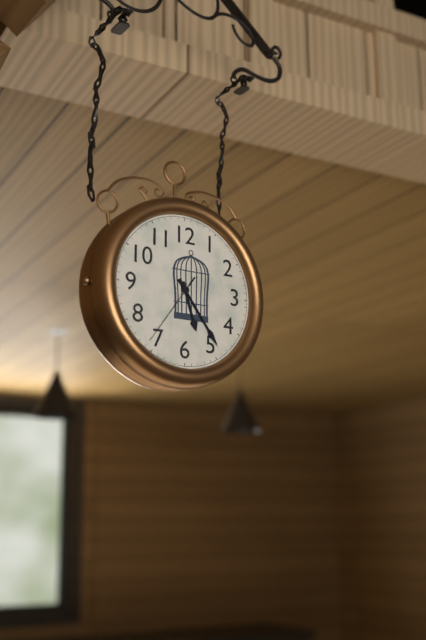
5:24:36
